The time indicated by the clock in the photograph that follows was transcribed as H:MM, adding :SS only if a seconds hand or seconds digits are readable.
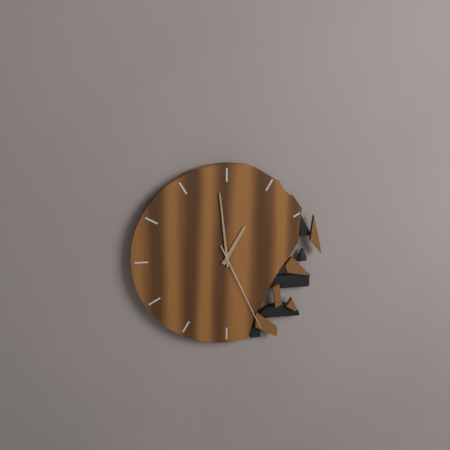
12:59:26
